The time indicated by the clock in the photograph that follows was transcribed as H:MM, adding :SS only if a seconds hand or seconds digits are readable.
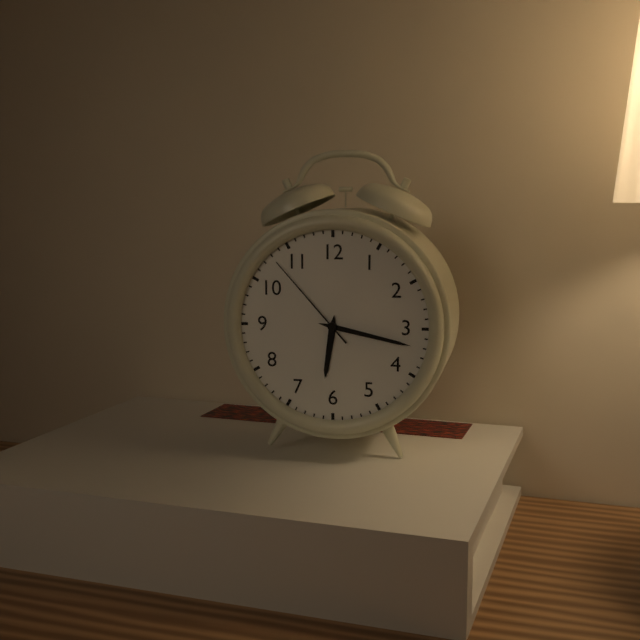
6:17:53
